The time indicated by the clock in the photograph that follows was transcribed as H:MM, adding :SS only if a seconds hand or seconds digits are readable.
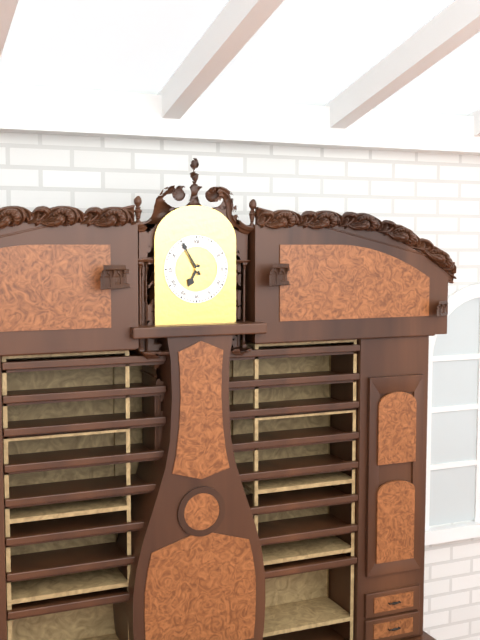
6:55
